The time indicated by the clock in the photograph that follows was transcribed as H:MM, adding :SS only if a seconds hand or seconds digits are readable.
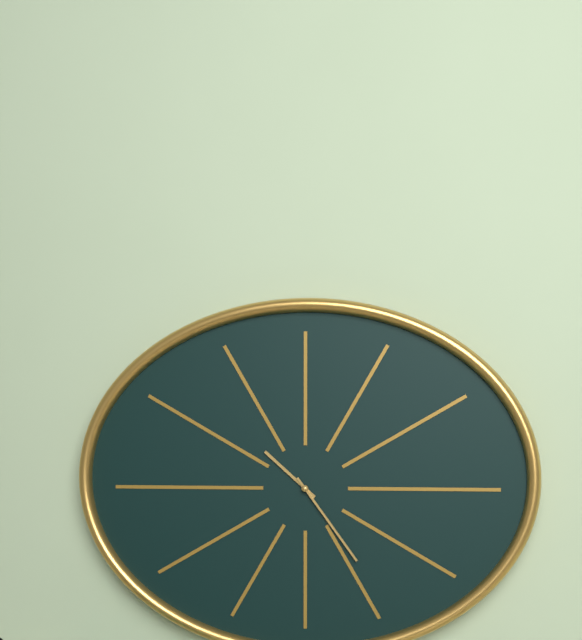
10:24
